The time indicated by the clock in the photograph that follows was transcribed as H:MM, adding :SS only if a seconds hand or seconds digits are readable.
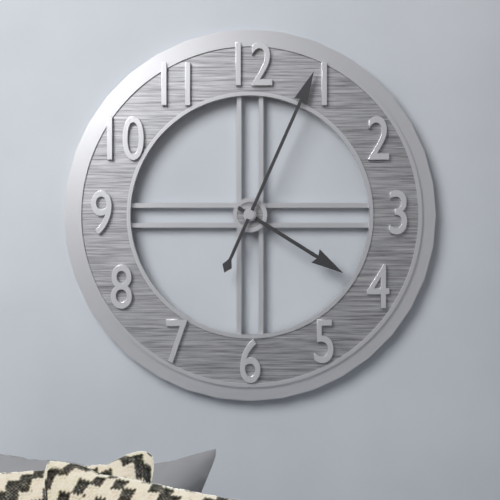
4:04
